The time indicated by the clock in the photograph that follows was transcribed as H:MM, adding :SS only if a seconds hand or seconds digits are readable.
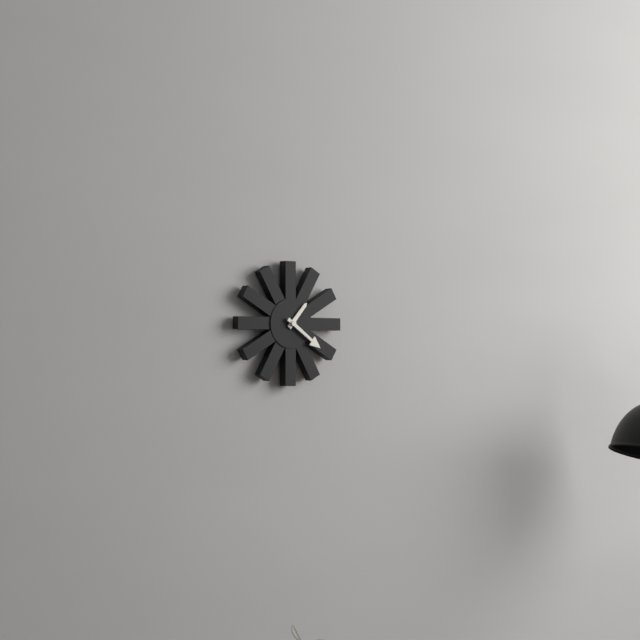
1:21
